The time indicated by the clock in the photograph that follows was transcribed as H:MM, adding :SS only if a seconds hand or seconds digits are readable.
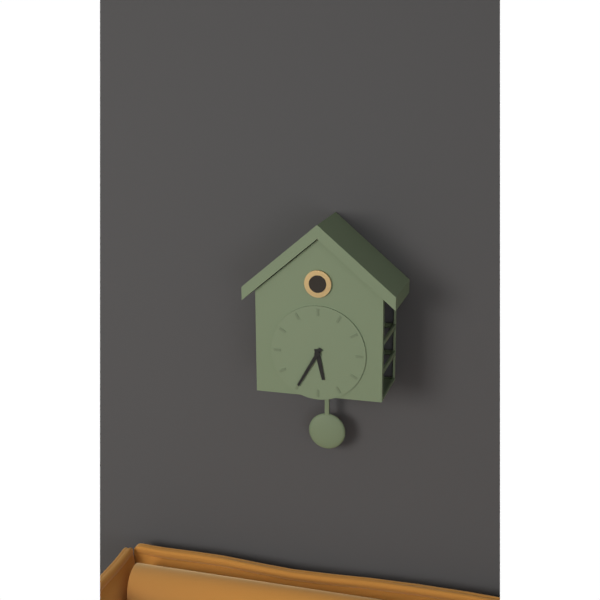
5:35
